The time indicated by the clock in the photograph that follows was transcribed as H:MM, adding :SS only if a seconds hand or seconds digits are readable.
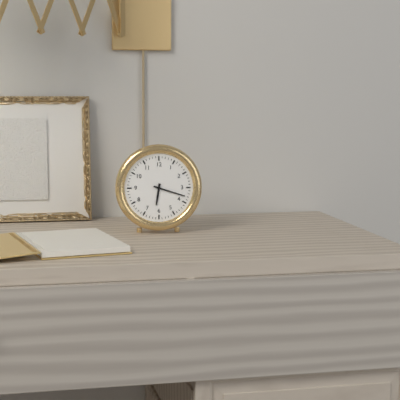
6:18
